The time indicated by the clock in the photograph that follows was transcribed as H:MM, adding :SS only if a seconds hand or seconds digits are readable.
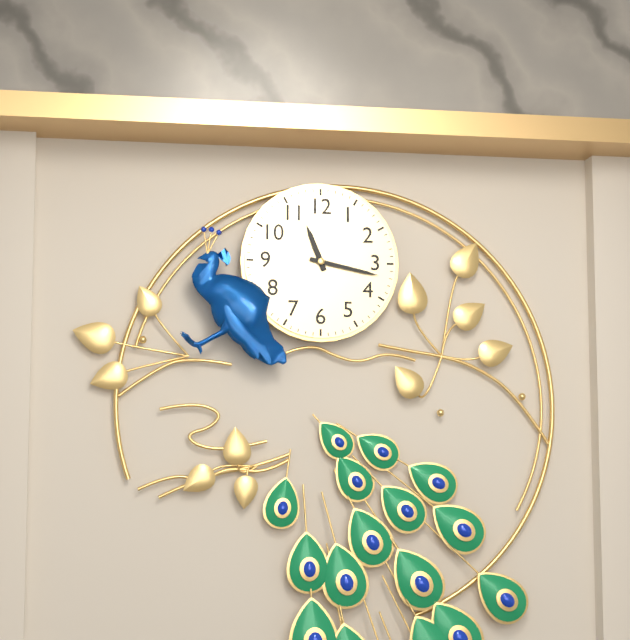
11:17
